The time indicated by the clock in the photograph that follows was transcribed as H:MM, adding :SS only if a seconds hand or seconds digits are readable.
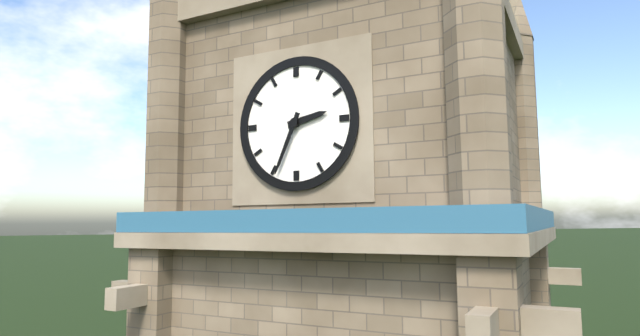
2:34
